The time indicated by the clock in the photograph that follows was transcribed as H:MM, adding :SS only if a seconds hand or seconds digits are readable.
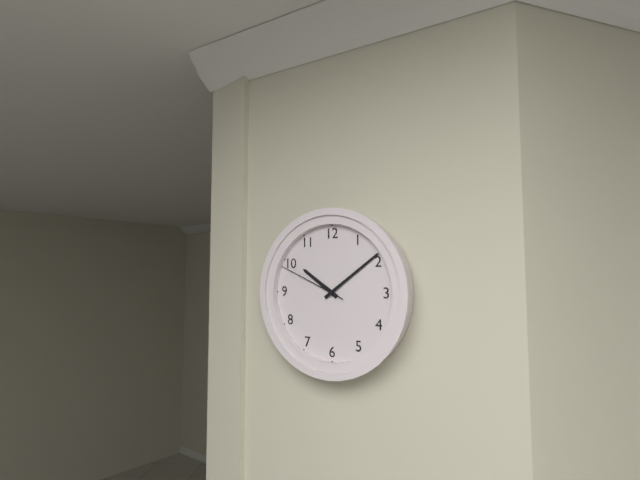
10:09:49
